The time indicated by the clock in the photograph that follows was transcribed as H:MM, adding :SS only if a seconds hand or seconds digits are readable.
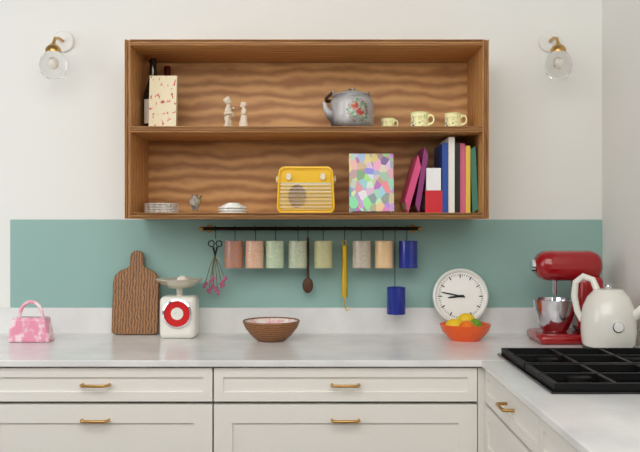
8:47
